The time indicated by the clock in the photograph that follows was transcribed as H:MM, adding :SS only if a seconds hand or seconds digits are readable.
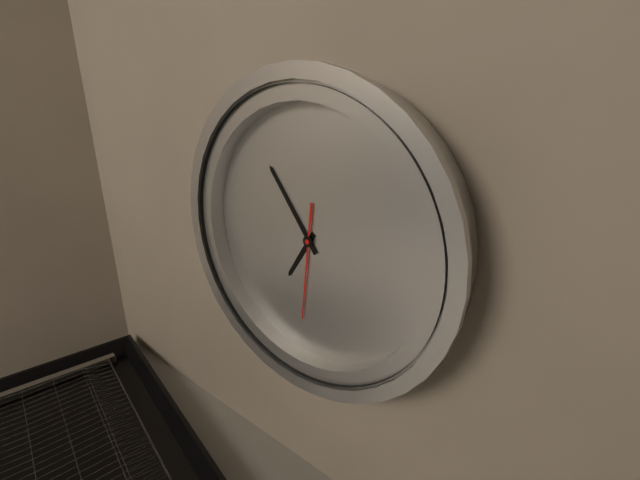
6:53:30
